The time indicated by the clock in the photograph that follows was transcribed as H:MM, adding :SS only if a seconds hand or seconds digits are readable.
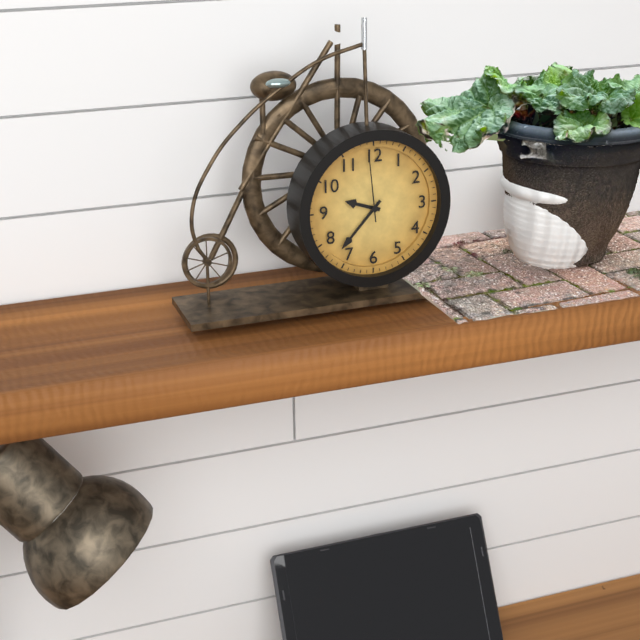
9:37:59
